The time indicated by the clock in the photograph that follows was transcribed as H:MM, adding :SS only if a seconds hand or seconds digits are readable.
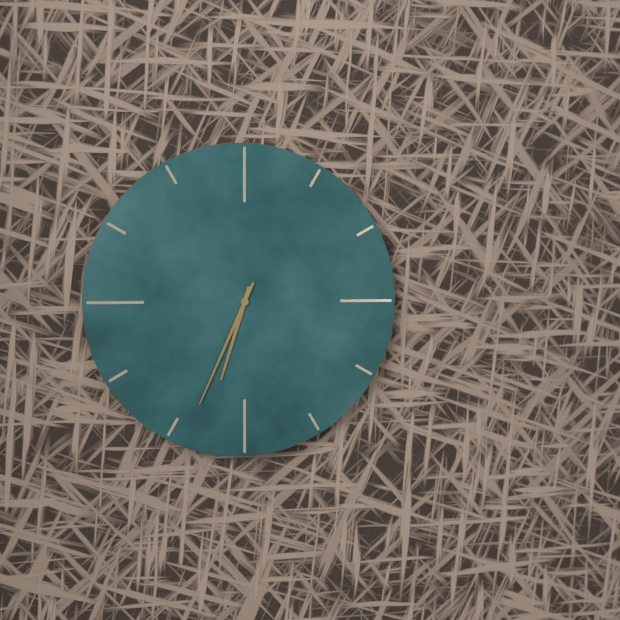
6:34
